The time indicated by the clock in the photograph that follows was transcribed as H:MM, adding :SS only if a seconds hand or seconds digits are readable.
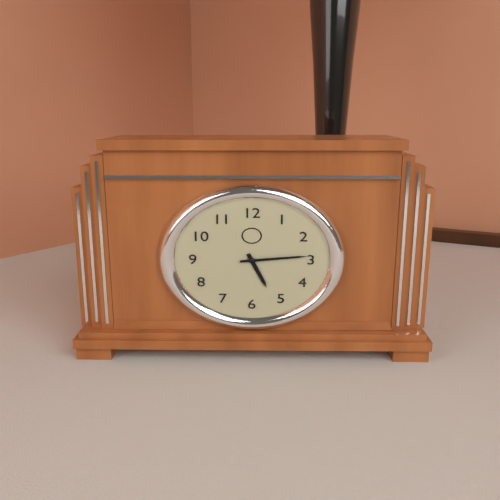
5:14
